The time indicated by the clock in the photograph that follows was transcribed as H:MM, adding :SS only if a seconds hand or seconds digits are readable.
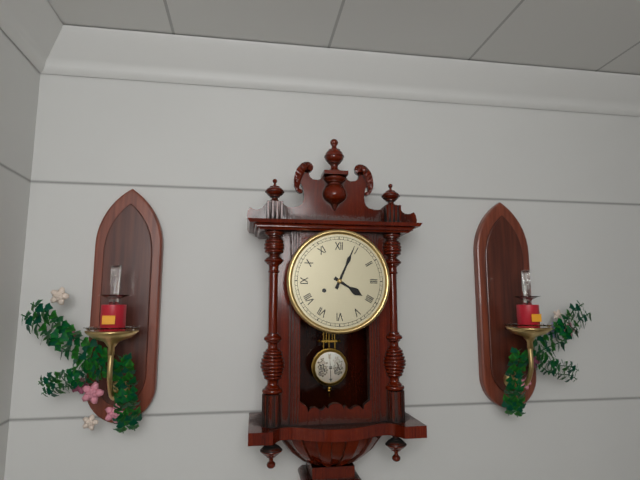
4:04
